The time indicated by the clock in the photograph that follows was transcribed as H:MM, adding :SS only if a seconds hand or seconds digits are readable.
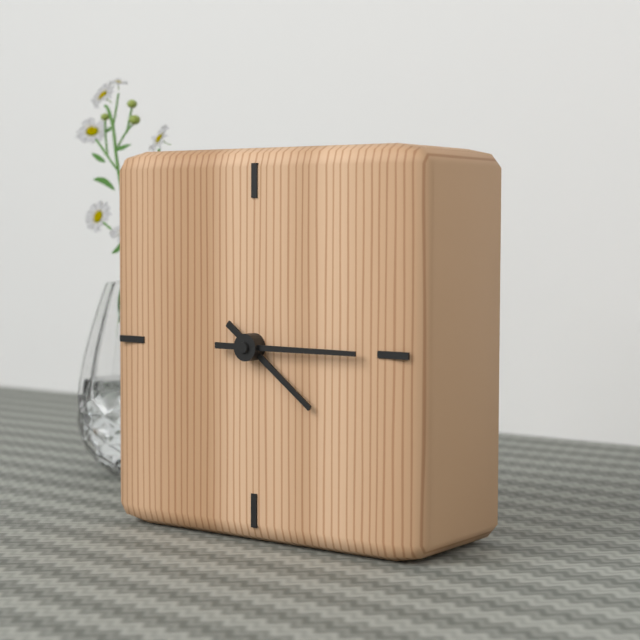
4:15
